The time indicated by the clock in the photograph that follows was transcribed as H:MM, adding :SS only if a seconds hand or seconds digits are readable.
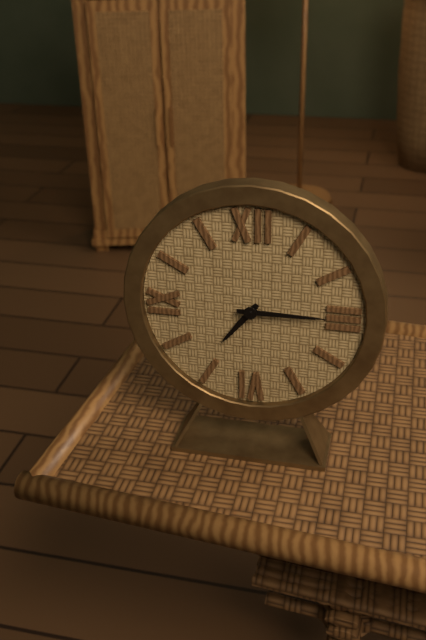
7:15
